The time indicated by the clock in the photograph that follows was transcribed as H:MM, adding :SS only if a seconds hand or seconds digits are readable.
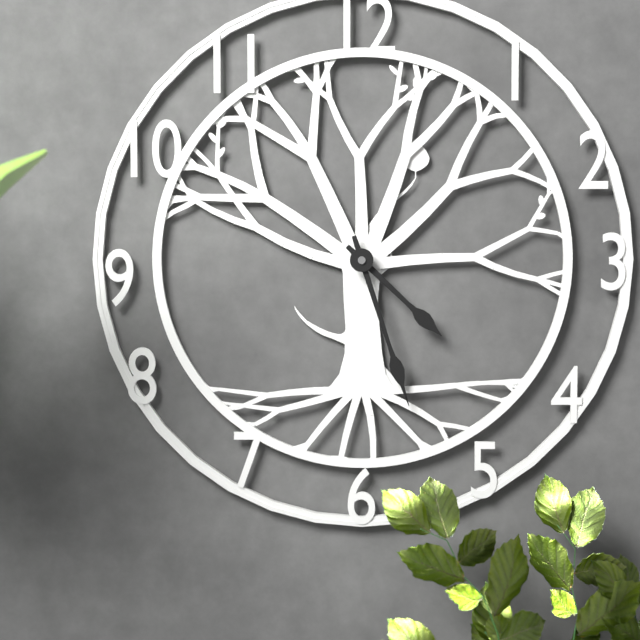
4:27
